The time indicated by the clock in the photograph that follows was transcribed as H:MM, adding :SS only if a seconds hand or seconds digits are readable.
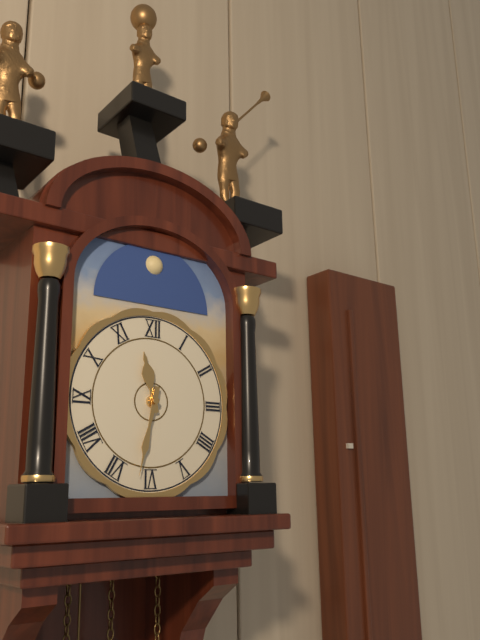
11:32
